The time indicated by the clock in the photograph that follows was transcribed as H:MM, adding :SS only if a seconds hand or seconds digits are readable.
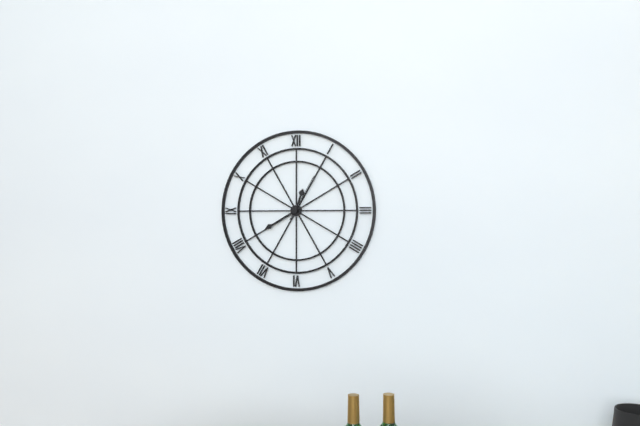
12:40
